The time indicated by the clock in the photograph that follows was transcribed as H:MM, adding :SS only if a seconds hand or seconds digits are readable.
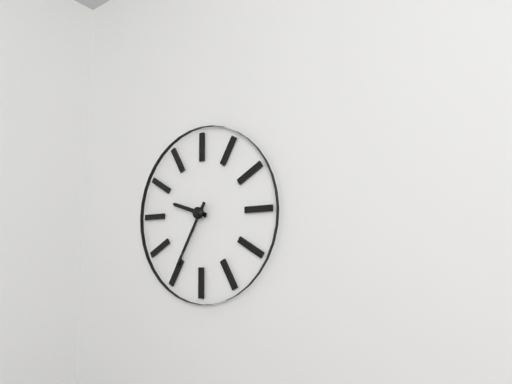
9:35
